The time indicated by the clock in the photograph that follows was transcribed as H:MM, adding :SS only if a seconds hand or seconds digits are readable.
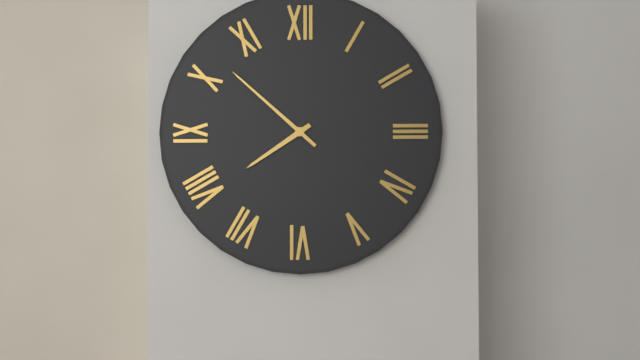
7:52
